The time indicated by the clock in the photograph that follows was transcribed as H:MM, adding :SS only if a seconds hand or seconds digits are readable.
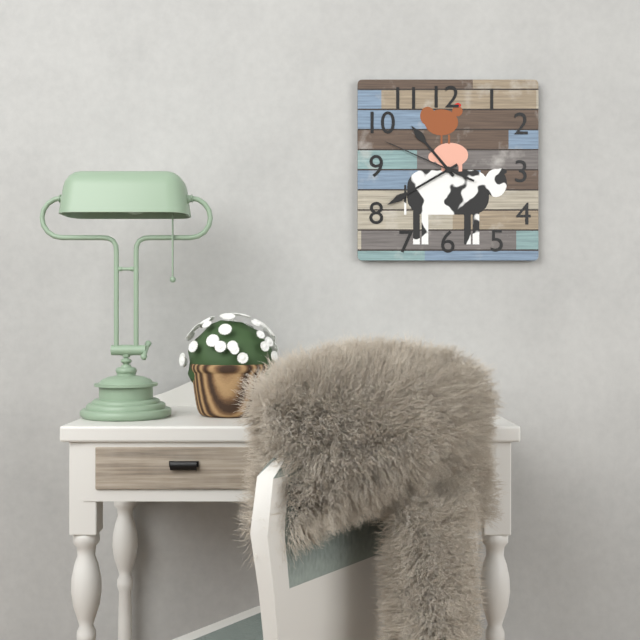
10:40:49
